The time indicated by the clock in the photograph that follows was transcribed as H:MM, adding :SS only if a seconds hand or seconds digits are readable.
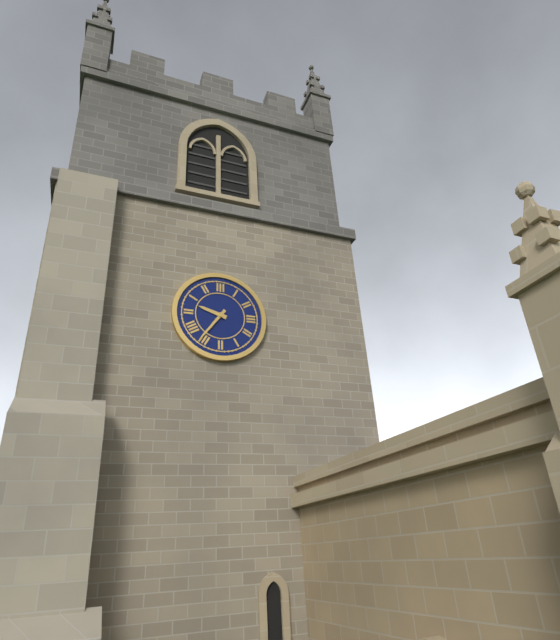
9:36
